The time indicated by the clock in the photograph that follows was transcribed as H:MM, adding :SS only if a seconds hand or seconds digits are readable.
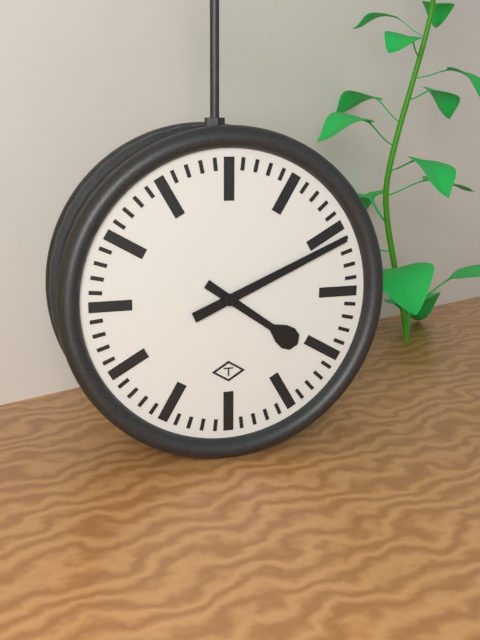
4:11
